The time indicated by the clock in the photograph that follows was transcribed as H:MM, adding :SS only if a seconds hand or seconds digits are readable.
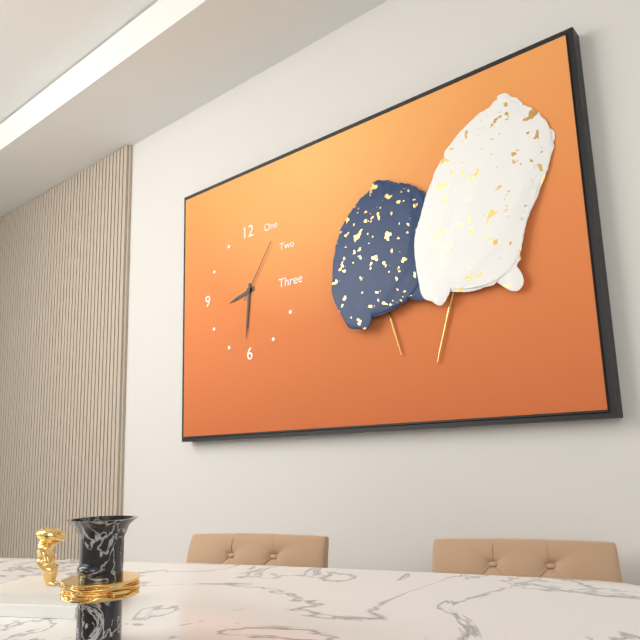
8:31:06
